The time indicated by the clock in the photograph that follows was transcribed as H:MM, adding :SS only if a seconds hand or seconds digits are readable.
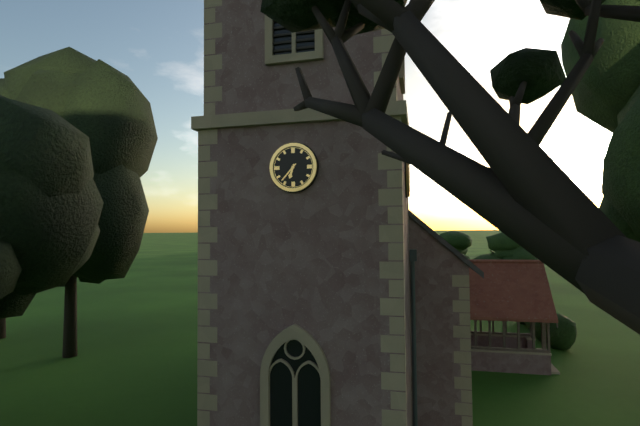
6:37
